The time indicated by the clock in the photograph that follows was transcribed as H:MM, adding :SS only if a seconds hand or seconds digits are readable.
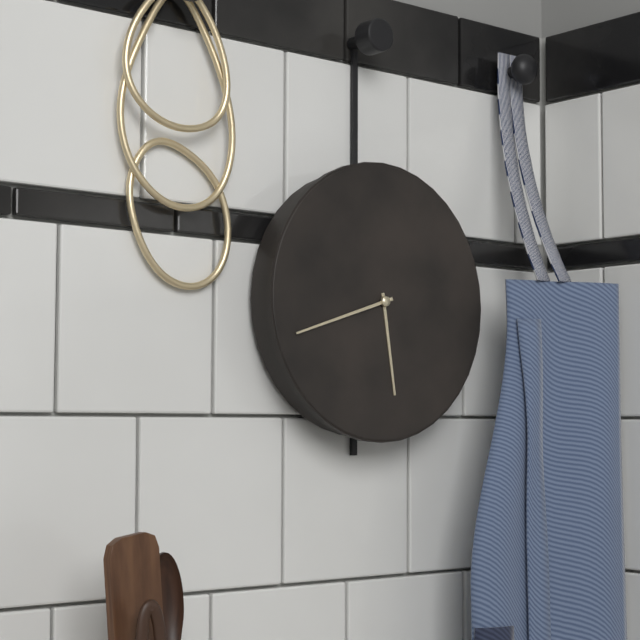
5:42
